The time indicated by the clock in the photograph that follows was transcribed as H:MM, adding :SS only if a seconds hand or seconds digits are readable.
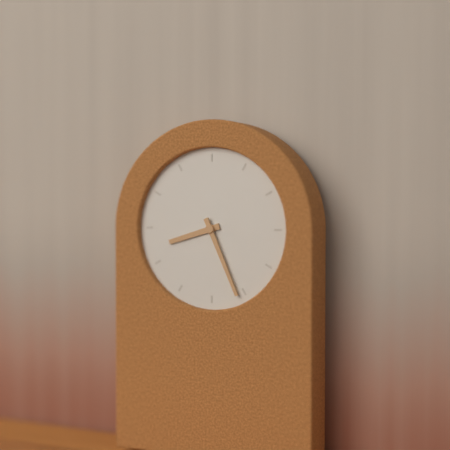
8:26
